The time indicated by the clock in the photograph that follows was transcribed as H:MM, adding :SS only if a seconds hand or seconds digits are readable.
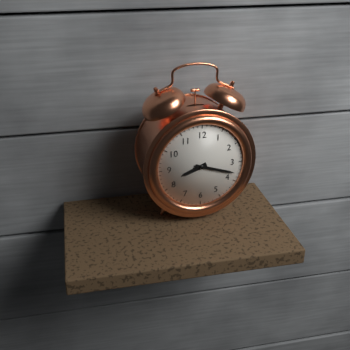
8:18
